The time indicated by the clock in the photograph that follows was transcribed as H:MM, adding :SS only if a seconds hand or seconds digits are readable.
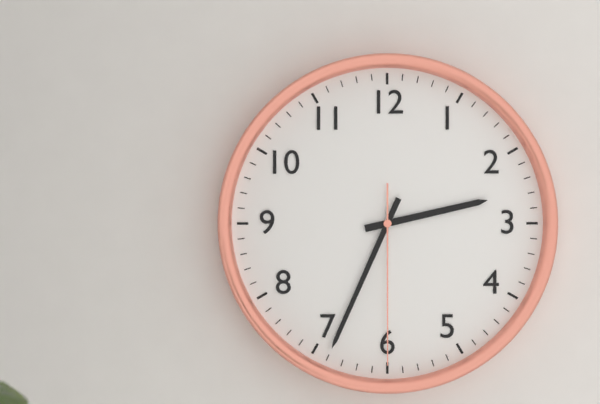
2:34:30
